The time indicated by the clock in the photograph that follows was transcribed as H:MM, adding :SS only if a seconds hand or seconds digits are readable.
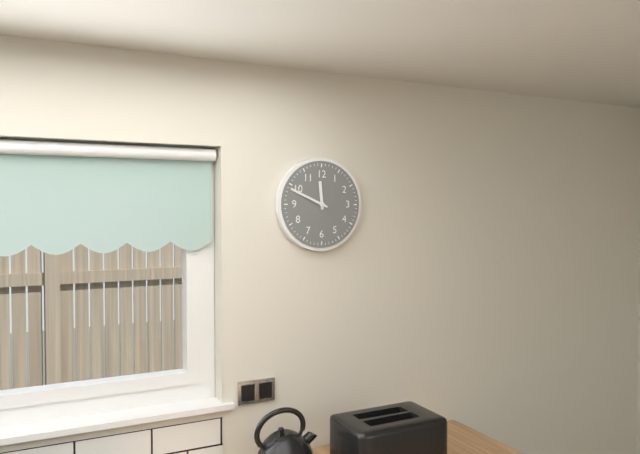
11:49
